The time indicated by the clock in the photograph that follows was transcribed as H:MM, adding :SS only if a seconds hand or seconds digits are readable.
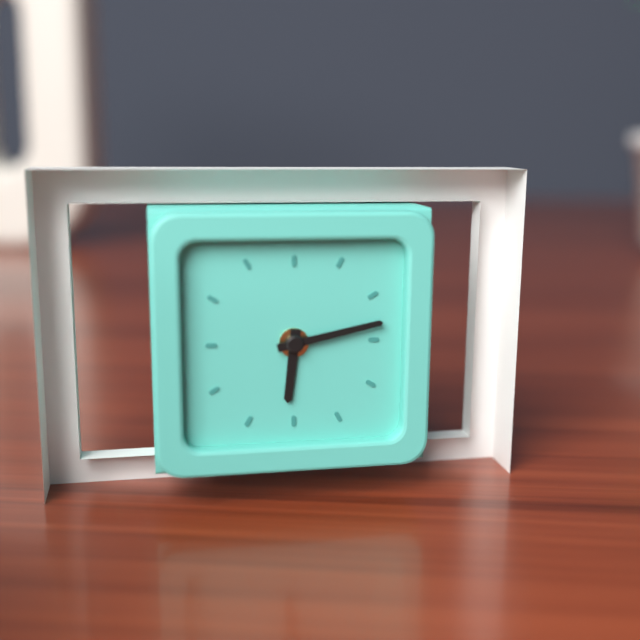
6:13
